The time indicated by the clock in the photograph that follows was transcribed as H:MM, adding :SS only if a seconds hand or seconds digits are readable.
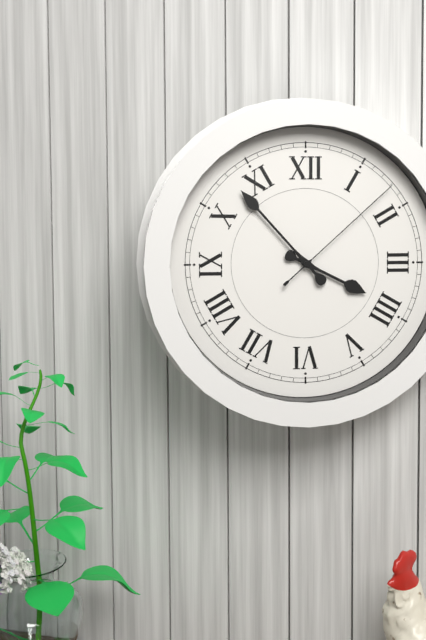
3:53:08
